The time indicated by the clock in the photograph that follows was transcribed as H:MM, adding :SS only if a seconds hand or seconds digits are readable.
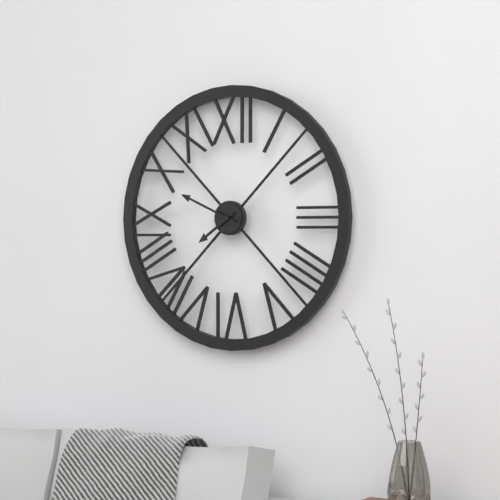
7:49
